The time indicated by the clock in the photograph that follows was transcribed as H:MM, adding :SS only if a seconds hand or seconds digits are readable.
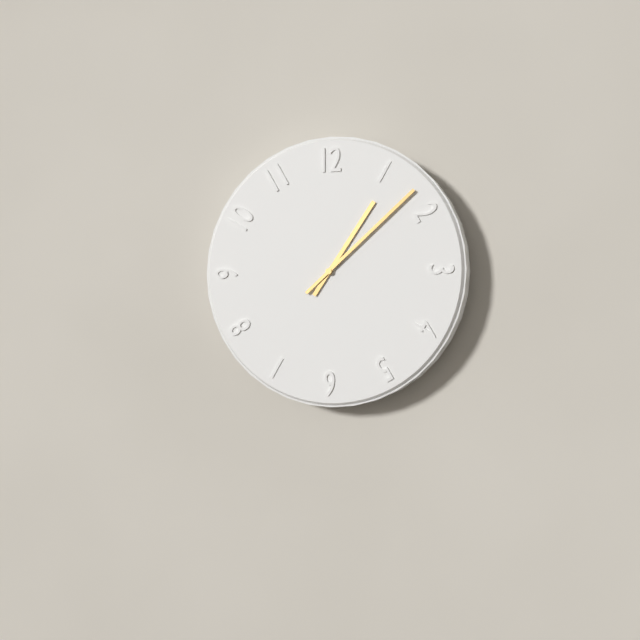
1:08
